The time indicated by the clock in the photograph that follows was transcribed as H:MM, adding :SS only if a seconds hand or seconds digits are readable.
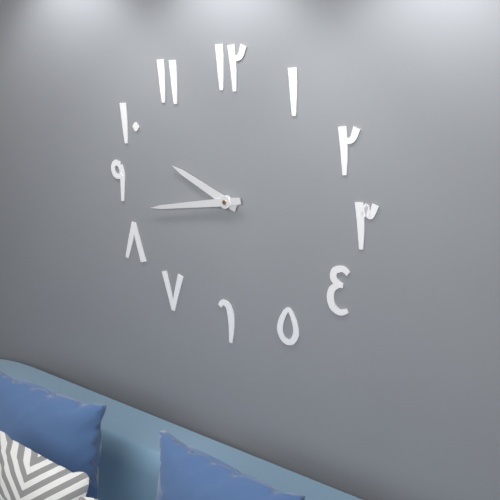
9:43
